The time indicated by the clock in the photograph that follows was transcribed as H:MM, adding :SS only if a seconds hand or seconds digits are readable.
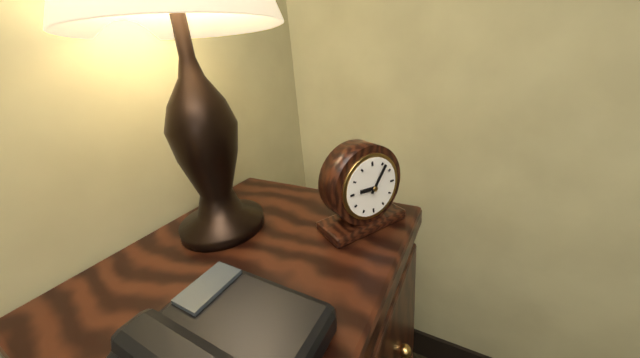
9:06
